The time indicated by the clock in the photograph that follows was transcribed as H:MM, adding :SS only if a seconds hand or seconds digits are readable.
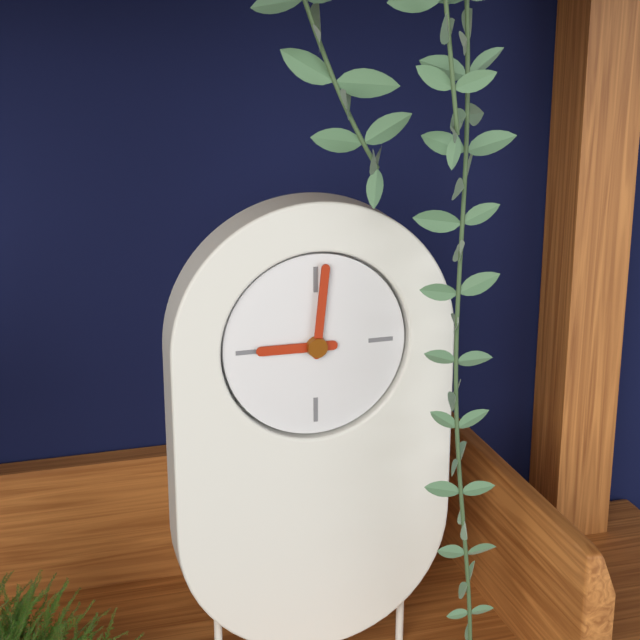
9:01
